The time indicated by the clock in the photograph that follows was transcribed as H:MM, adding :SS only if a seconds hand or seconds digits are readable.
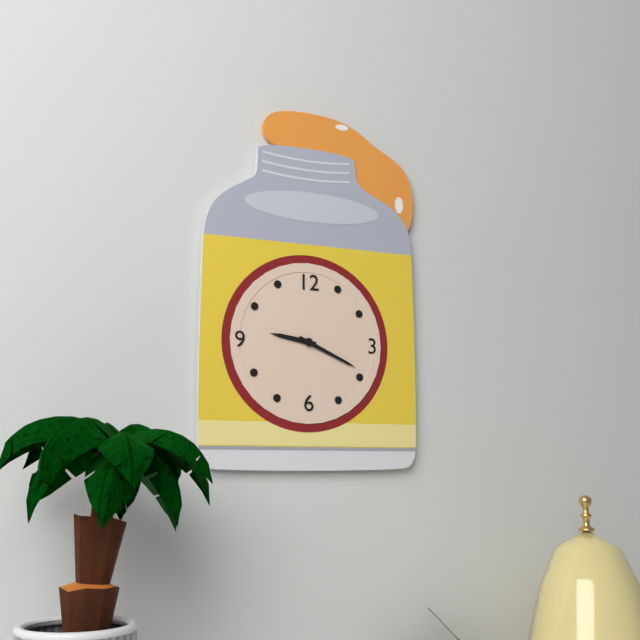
9:19
